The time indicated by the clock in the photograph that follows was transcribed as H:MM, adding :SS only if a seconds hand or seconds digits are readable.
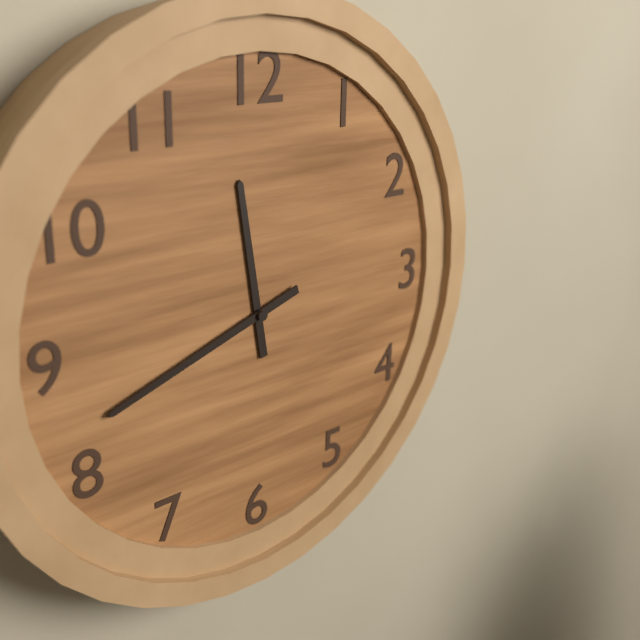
11:42
